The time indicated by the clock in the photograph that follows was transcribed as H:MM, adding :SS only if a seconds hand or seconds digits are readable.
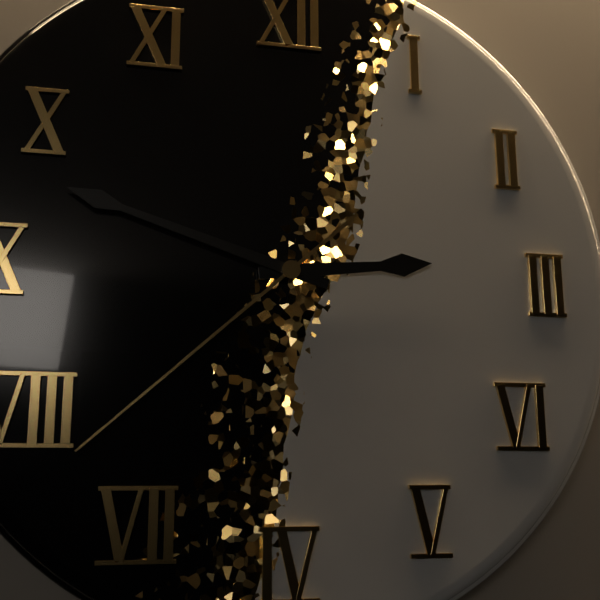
2:48:38
